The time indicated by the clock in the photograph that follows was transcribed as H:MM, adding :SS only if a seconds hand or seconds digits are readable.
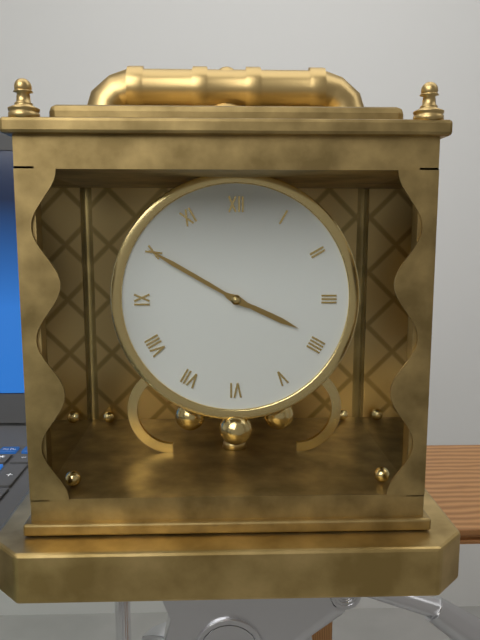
3:50
